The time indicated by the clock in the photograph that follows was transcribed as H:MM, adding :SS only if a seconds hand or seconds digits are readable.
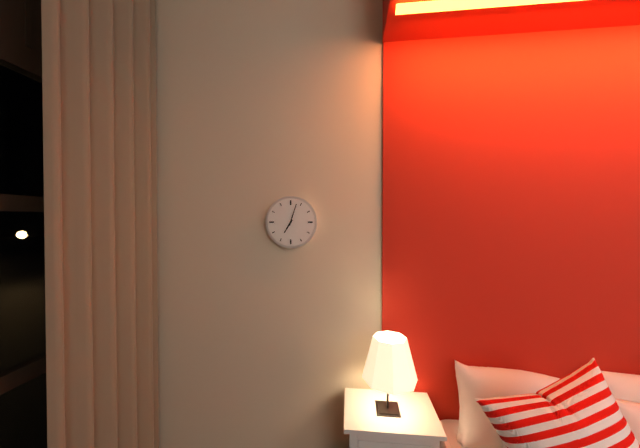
7:03
